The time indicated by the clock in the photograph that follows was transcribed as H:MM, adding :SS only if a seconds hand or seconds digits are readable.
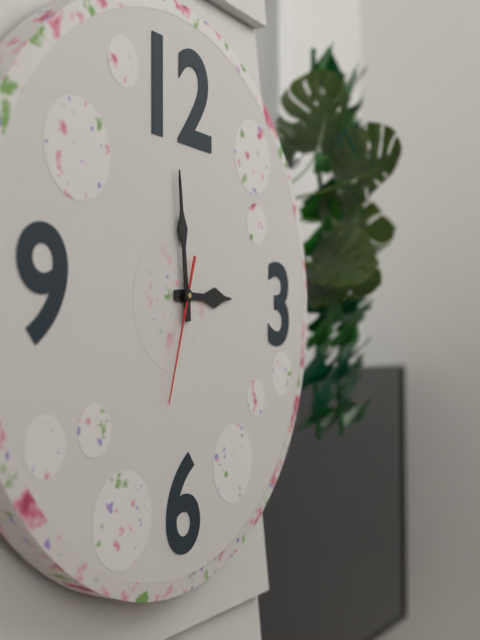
2:59:33
